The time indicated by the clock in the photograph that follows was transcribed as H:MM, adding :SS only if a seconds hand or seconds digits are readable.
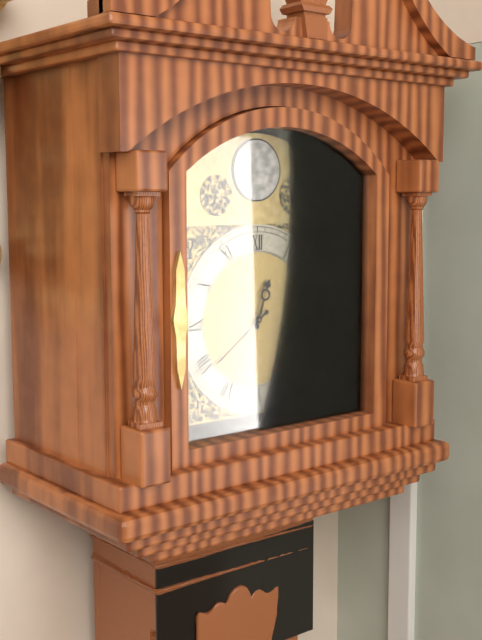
12:39
